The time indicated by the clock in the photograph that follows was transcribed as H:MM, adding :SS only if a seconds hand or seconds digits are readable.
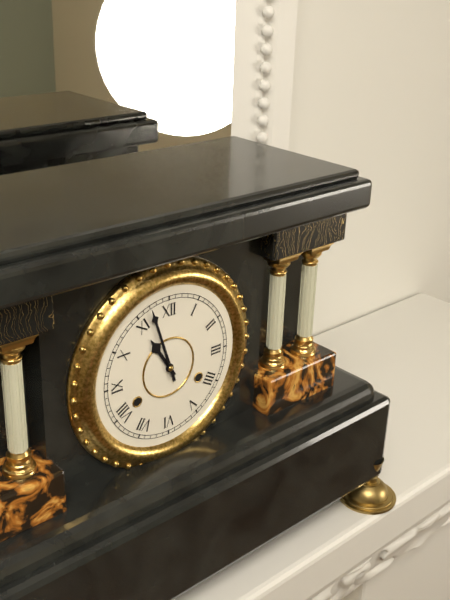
10:57
